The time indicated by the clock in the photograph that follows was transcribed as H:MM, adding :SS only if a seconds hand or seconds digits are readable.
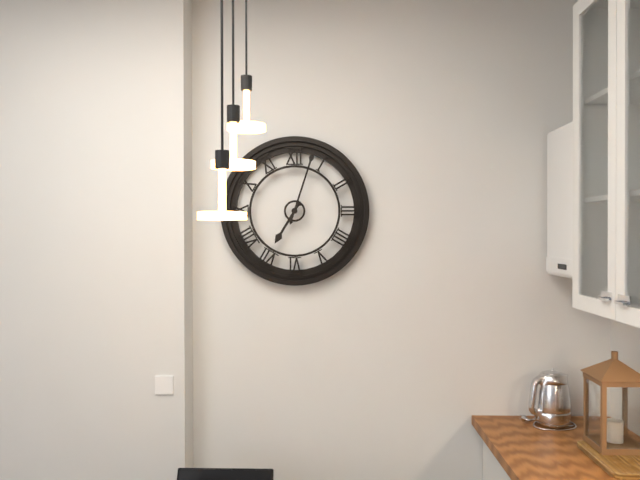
7:03
